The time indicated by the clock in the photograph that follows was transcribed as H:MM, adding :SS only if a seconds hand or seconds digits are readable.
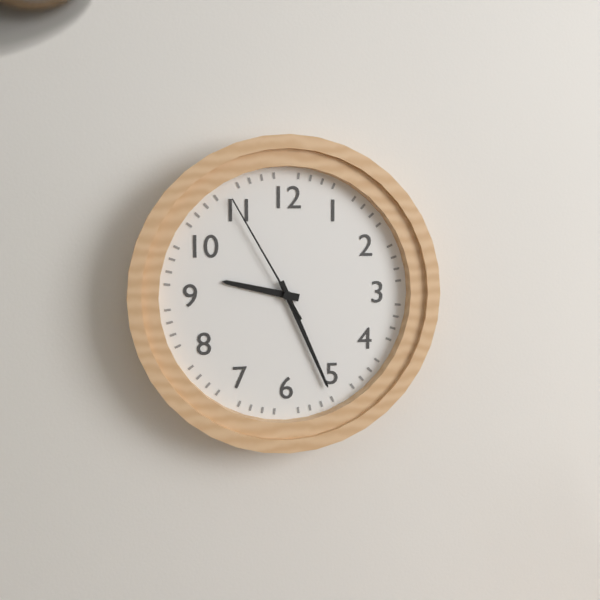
9:26:55
